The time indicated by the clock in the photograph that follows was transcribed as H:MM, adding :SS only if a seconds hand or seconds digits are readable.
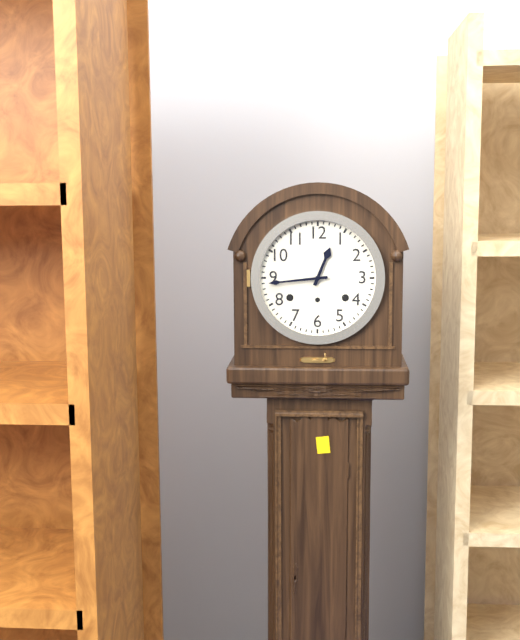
12:44
